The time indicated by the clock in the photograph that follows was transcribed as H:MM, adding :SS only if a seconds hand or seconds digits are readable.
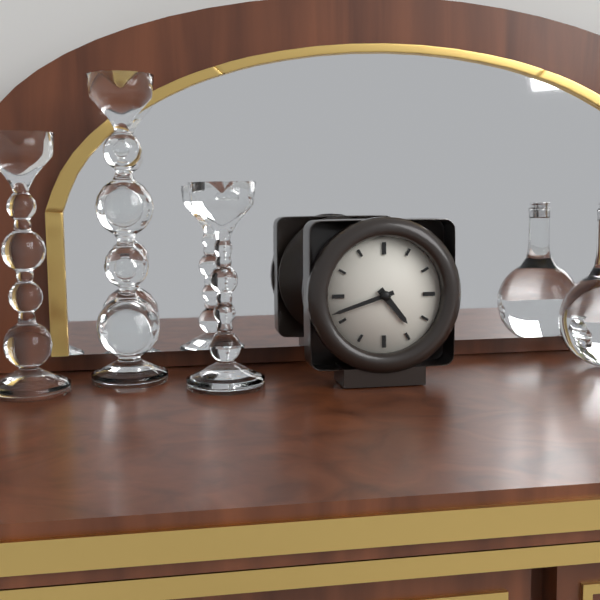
4:42
